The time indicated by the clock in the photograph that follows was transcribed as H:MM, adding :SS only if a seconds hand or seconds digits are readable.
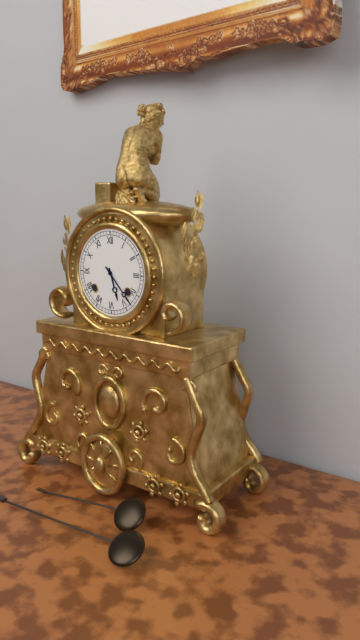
5:23
